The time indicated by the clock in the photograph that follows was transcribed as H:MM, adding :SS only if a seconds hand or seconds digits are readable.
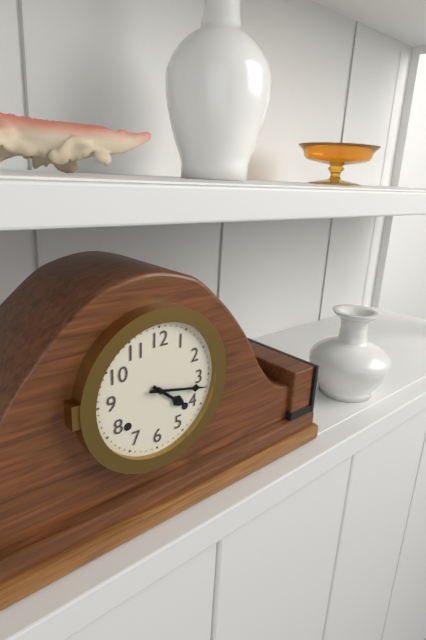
4:17
